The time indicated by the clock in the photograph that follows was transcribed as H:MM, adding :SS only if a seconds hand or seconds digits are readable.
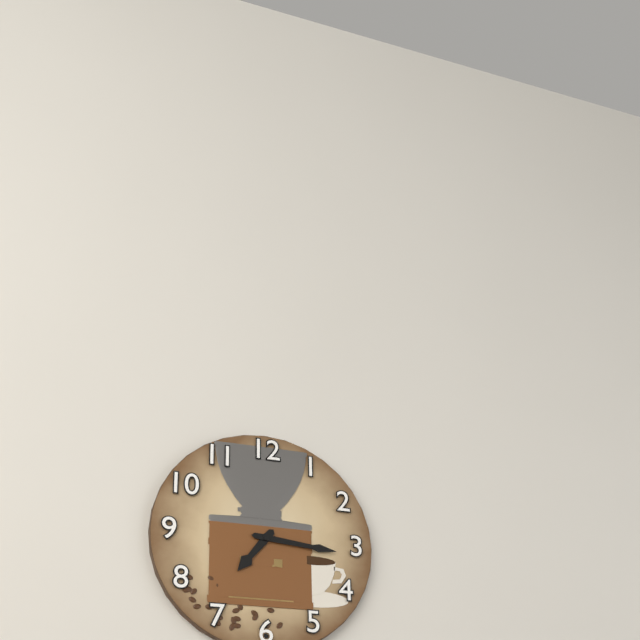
7:16
